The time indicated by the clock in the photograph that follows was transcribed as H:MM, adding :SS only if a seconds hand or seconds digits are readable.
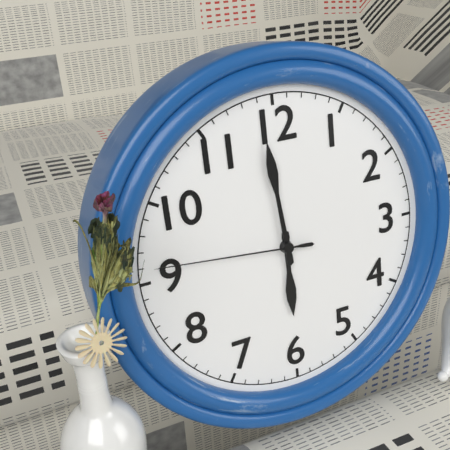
5:59:46
